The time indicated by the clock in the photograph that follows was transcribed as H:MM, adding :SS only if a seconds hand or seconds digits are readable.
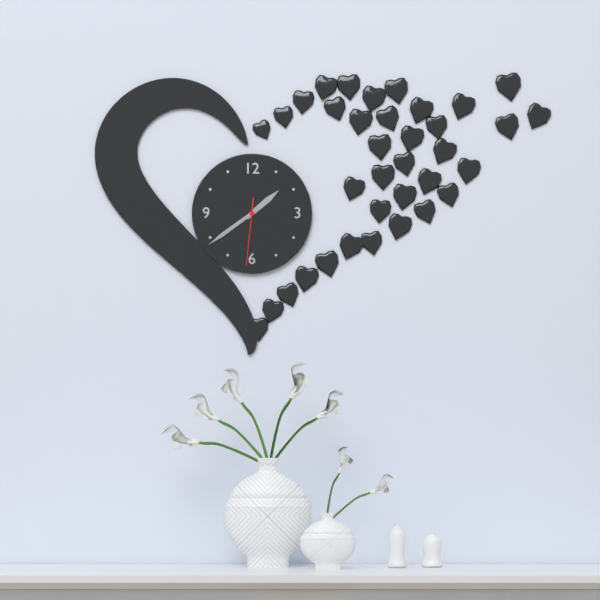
1:39:31
